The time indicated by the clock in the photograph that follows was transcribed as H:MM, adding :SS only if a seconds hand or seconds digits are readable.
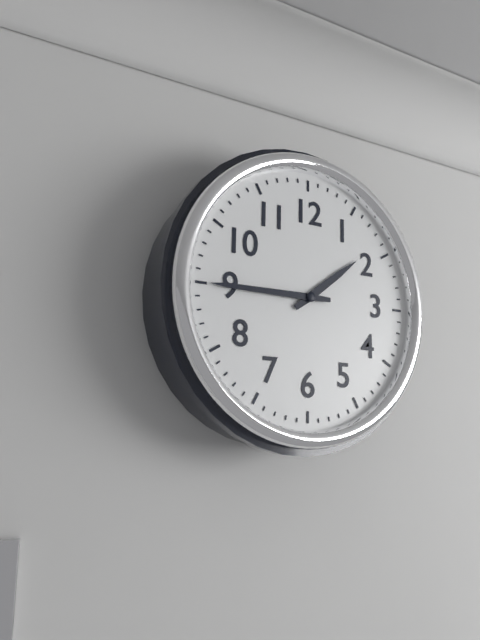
1:45
